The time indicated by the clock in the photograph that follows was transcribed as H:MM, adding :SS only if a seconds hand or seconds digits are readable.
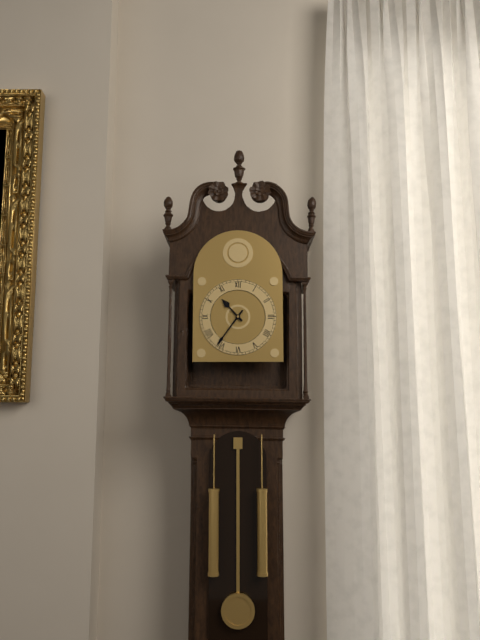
10:36
